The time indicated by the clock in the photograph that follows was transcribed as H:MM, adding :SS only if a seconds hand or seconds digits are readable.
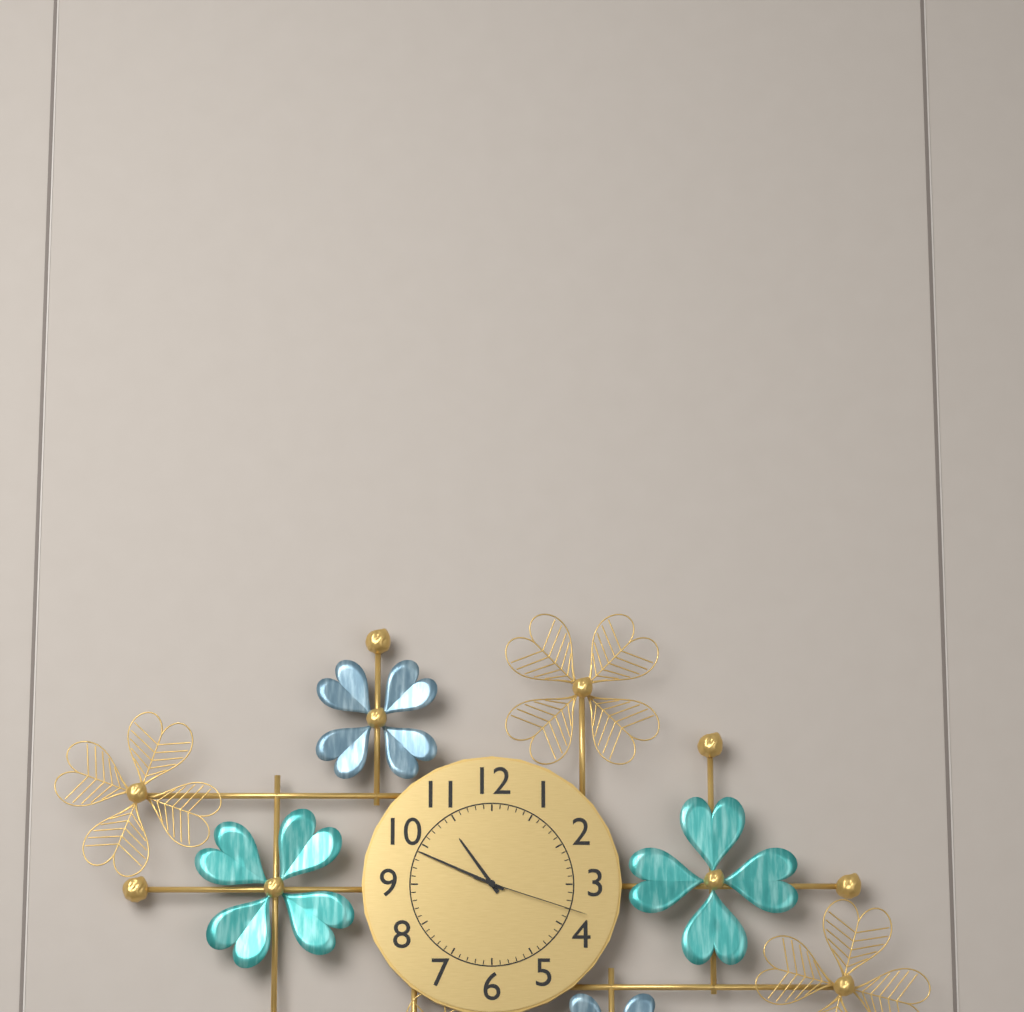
10:49:18
